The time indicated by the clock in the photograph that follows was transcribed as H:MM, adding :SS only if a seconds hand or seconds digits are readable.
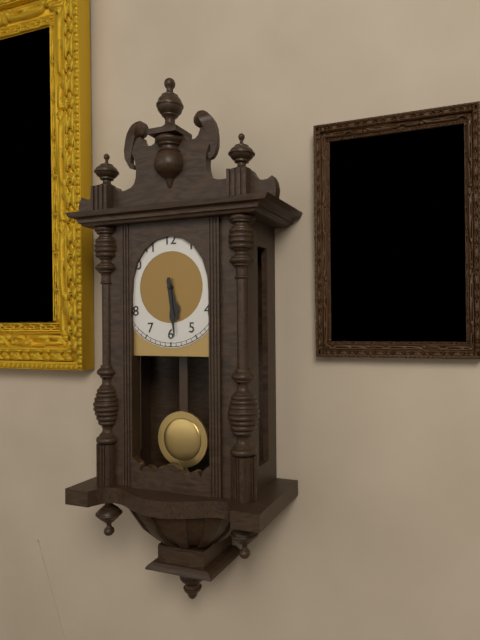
5:29
